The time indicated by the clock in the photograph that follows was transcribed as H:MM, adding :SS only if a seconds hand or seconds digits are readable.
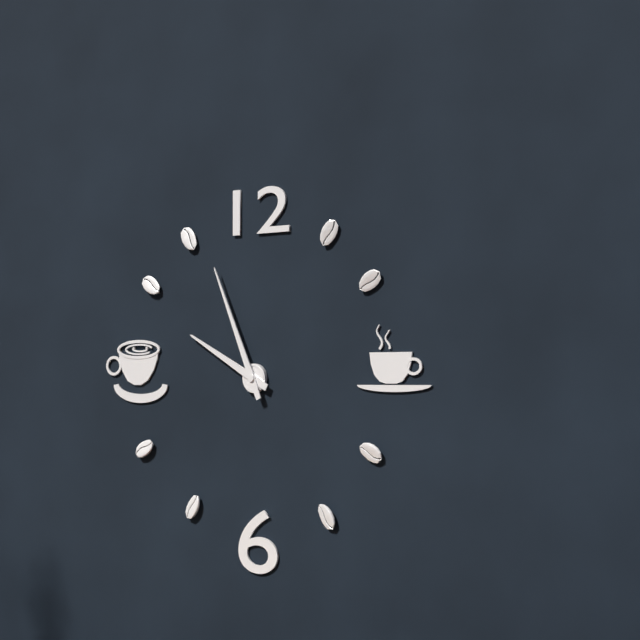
9:56
